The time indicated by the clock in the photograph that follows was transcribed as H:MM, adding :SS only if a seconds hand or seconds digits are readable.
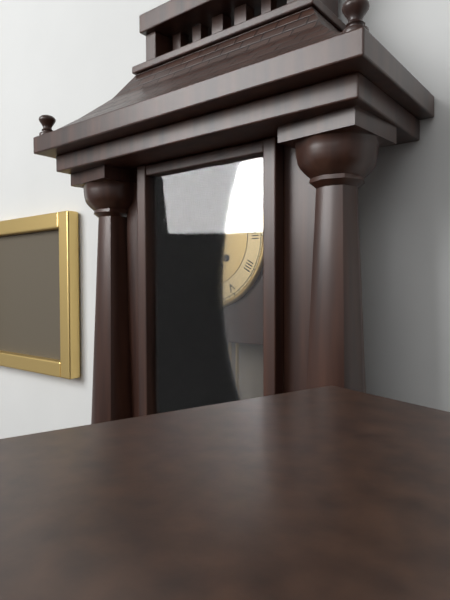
8:37
